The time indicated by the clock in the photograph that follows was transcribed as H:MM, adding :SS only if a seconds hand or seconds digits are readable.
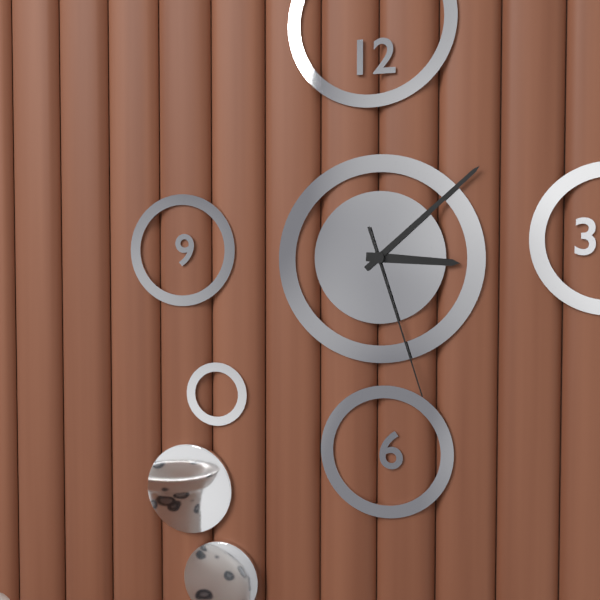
3:08:27
